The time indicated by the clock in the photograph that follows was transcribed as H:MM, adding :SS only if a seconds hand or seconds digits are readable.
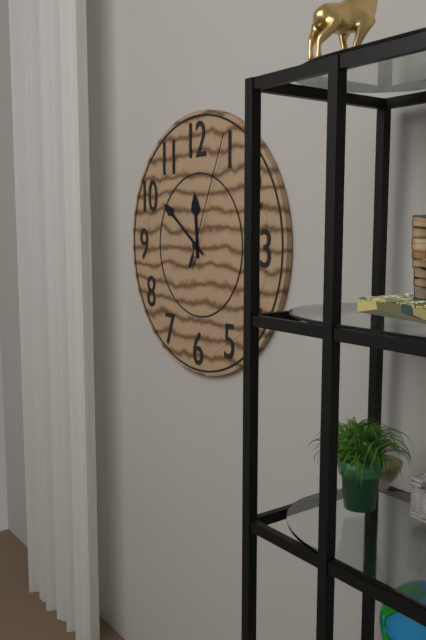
11:51:04
